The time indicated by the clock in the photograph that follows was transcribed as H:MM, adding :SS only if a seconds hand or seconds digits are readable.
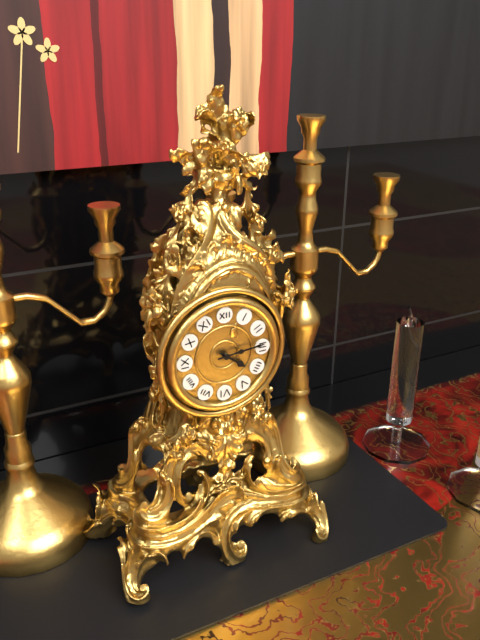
4:14
